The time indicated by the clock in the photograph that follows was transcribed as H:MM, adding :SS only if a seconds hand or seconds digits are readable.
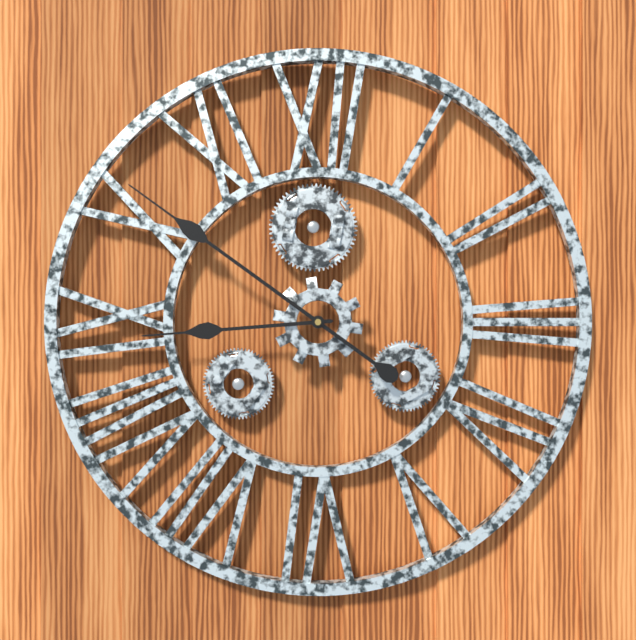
8:51
